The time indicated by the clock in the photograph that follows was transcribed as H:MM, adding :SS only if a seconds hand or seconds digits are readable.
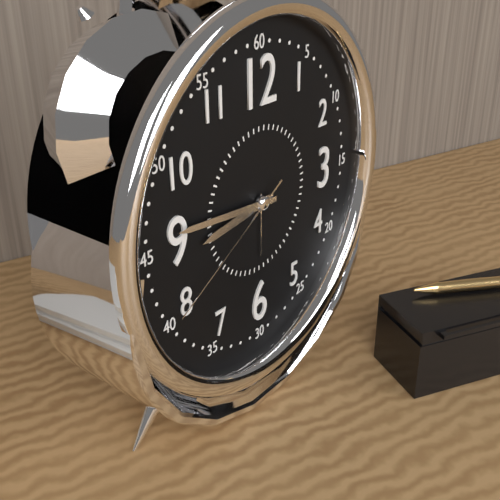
8:46:40
